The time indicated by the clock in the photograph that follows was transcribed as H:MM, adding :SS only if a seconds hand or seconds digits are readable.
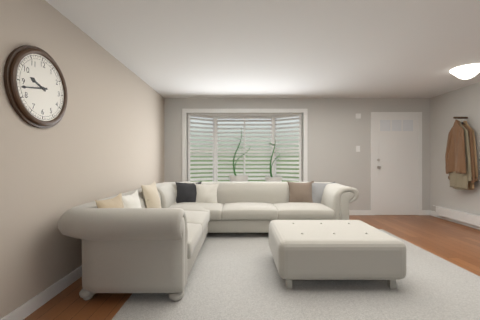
9:43
